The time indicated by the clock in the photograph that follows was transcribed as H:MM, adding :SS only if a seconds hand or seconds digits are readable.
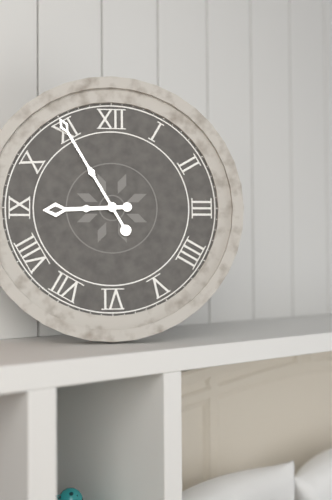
8:55
